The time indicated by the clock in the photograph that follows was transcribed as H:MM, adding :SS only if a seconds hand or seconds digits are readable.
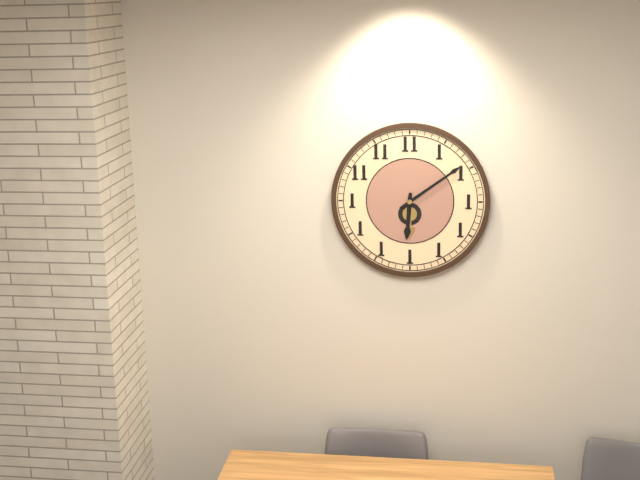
6:09
